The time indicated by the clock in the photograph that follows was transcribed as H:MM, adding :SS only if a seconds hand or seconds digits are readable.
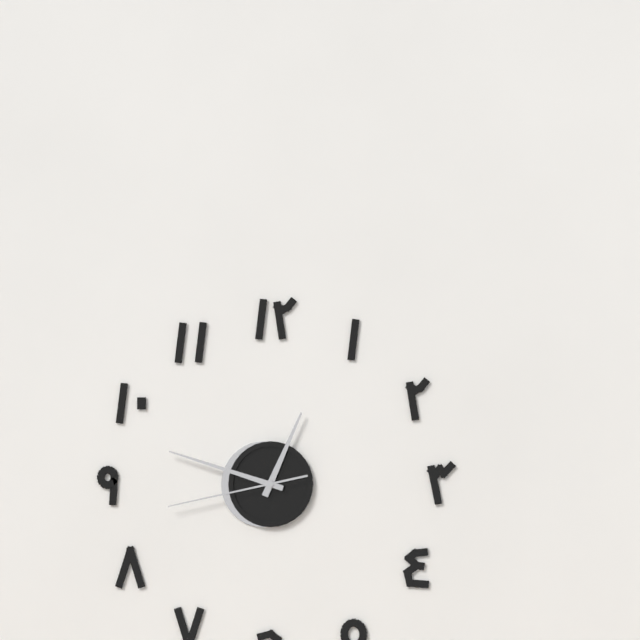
12:48:43
